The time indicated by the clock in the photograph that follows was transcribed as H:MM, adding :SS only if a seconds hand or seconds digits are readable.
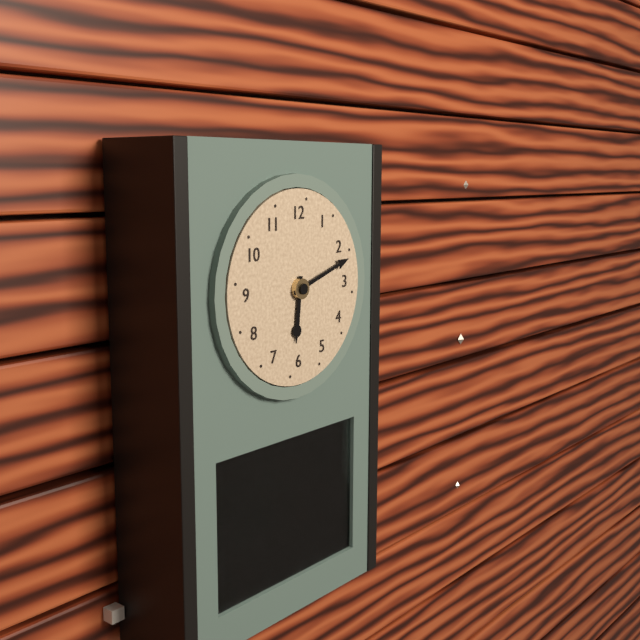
6:12
